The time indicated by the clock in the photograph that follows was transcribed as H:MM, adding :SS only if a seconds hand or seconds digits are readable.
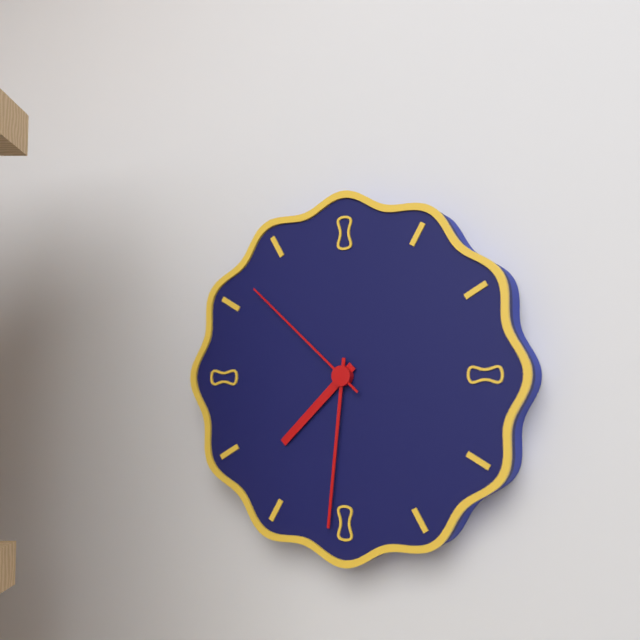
7:31:52
